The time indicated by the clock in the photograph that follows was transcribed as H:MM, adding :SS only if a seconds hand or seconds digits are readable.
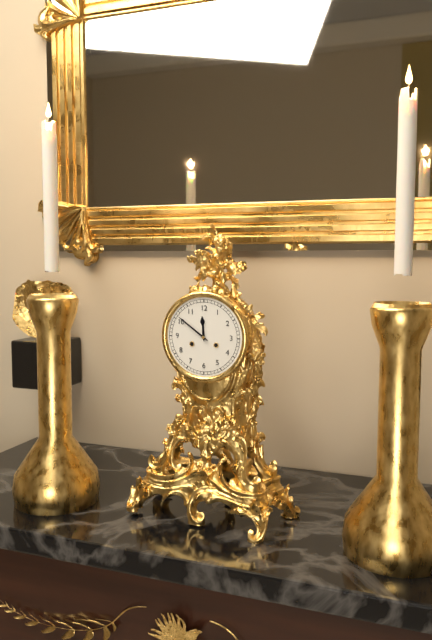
11:51
